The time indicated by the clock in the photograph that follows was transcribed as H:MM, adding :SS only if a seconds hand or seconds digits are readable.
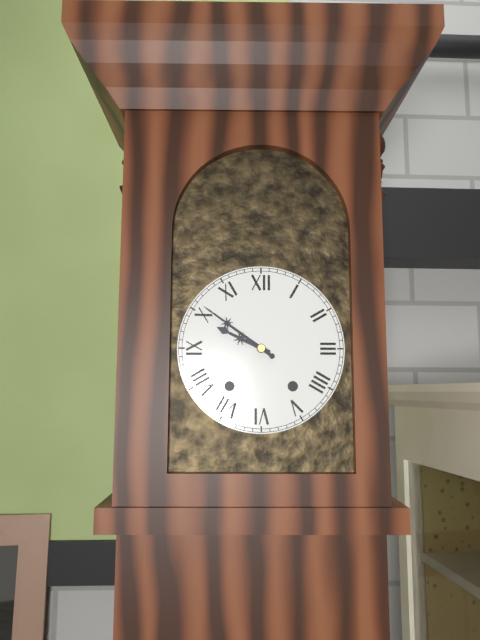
9:51
